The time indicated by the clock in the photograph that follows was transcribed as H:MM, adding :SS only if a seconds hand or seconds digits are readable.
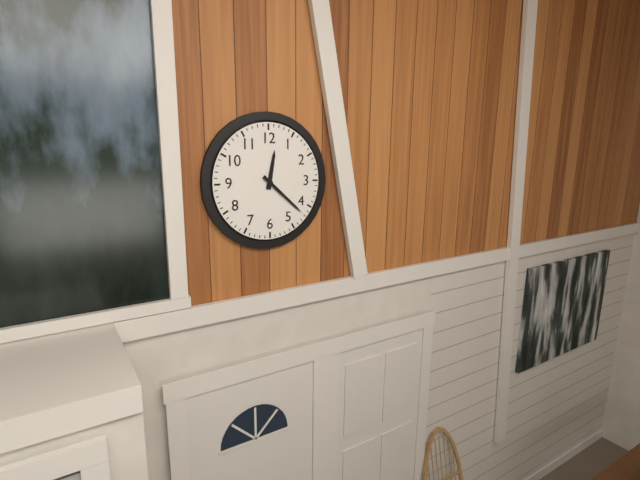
12:22
